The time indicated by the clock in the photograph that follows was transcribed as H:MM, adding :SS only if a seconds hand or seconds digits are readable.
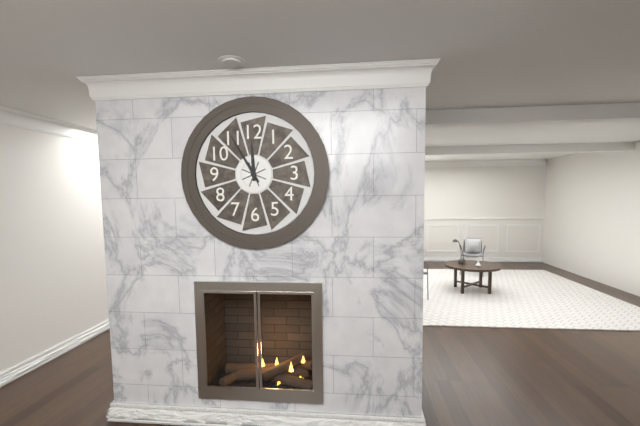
11:55
